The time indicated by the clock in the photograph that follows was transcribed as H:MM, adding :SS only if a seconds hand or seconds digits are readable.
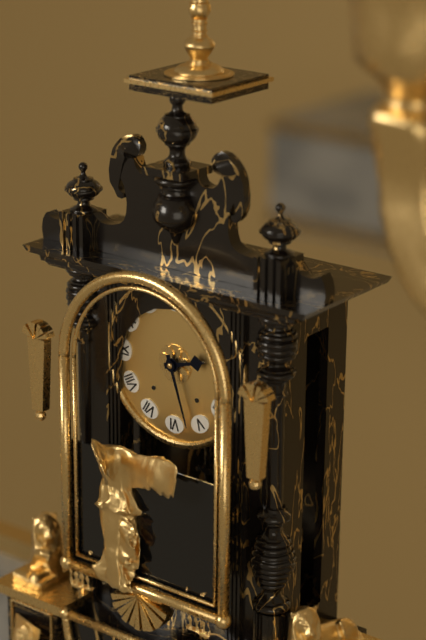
2:27
